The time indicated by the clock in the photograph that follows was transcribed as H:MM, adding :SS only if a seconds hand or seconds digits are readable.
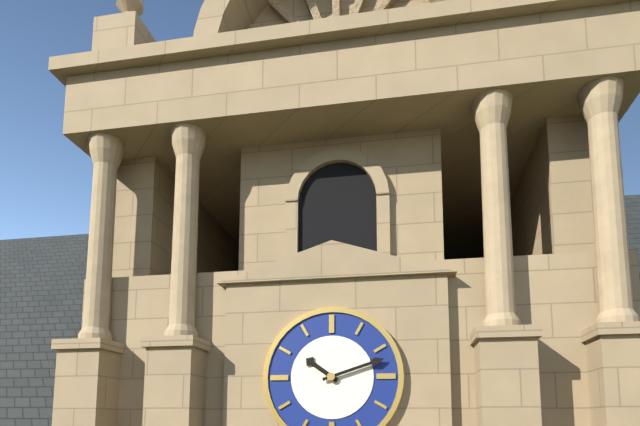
10:12
